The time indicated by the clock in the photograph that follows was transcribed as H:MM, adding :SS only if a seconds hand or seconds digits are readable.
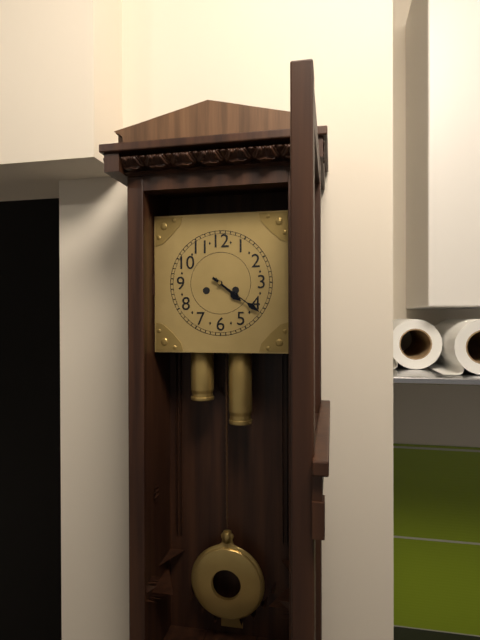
4:21
